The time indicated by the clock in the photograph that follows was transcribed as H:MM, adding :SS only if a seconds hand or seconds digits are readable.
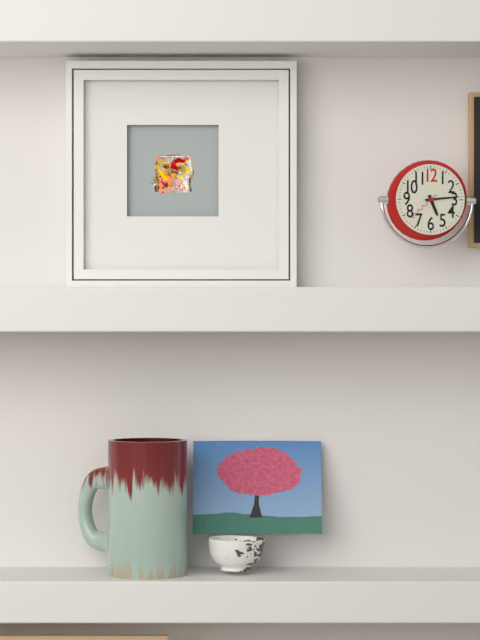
5:14
